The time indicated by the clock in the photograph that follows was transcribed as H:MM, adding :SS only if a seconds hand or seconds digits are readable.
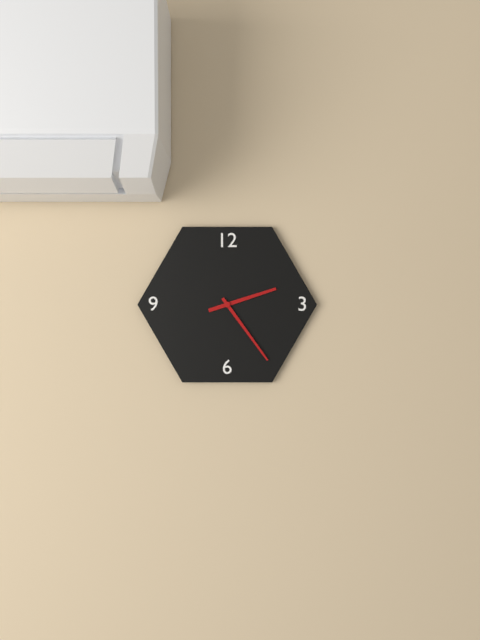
2:24
